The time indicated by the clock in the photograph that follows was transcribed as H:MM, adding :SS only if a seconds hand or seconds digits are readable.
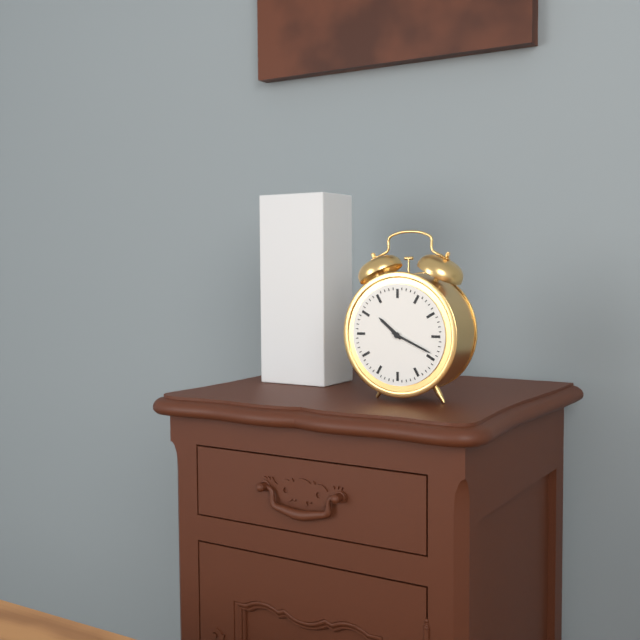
10:19
